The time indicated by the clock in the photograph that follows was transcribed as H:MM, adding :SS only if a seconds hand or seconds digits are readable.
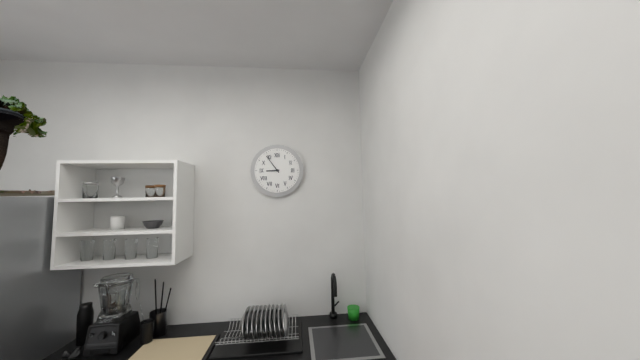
8:54
